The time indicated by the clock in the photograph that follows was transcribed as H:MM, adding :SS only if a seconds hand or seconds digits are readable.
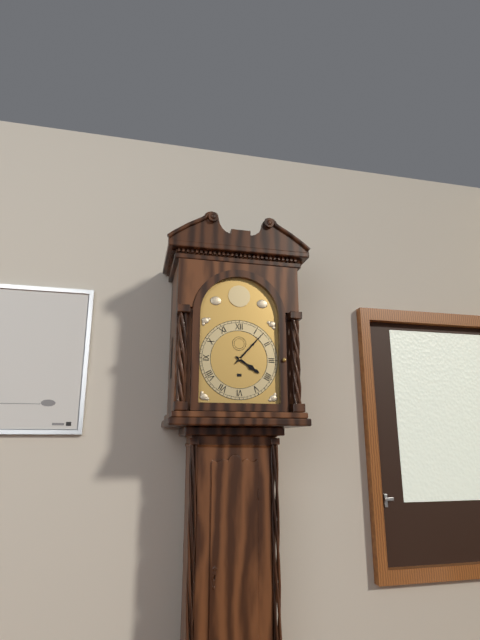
4:07
